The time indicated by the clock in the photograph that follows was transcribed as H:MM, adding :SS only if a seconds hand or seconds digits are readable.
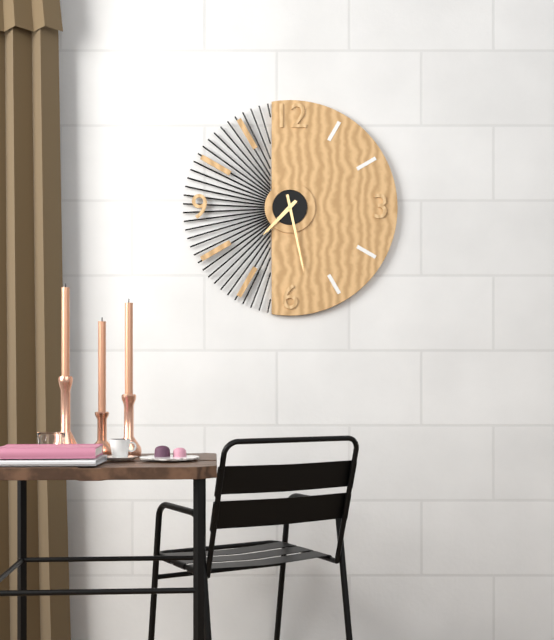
7:28
